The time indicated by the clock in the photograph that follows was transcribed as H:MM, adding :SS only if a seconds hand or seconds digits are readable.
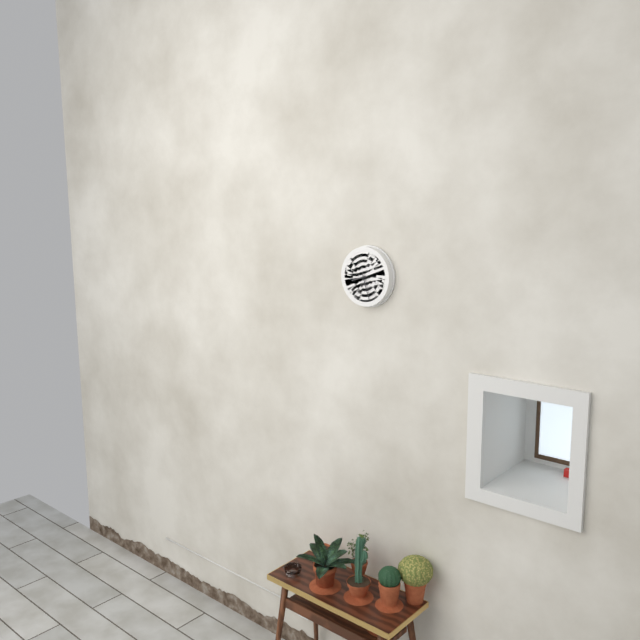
8:27
